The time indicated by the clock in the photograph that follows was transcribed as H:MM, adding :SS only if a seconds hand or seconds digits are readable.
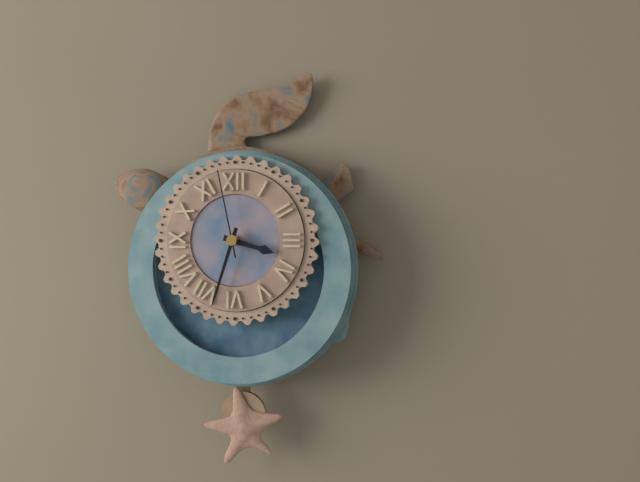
3:33:58
